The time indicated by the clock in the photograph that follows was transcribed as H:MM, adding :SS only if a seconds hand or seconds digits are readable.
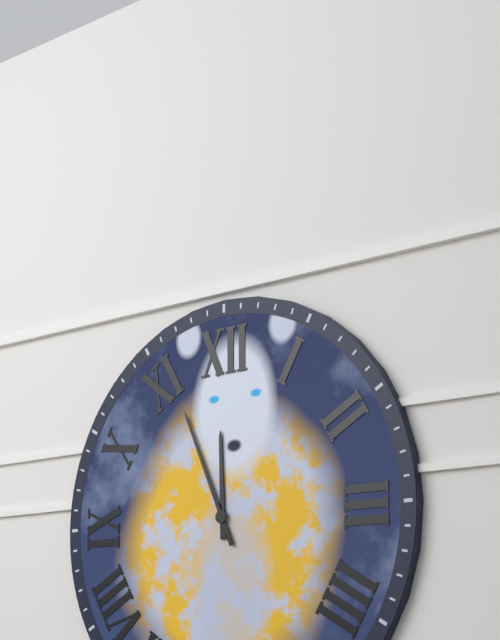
11:56
